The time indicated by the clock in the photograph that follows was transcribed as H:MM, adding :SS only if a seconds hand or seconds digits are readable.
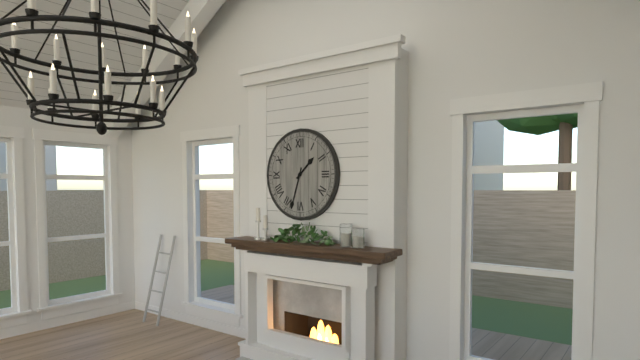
1:33
